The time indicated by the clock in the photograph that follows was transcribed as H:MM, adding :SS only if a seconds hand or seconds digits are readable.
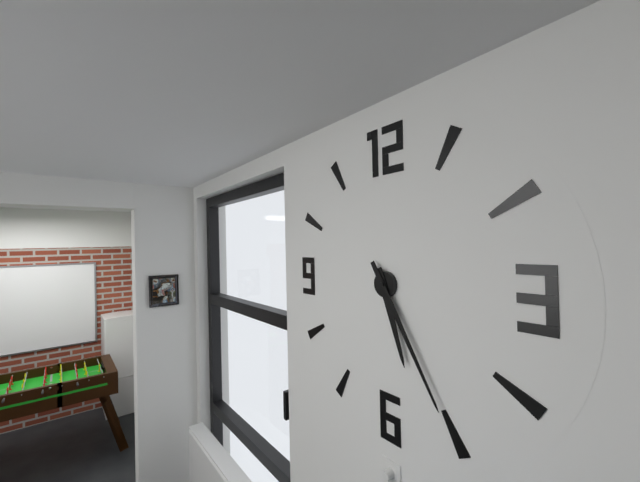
5:25
